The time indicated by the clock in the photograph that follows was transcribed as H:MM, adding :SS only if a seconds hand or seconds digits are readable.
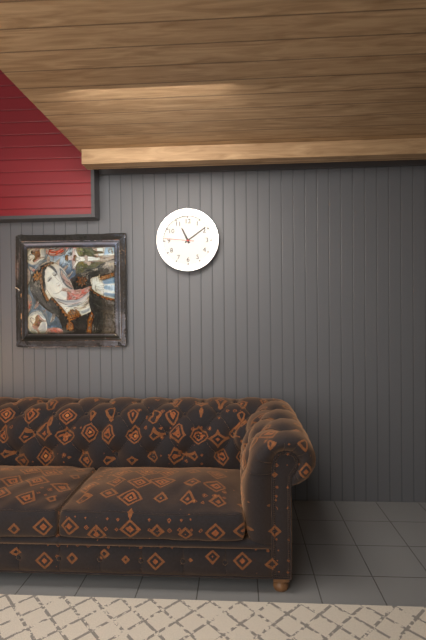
11:09
